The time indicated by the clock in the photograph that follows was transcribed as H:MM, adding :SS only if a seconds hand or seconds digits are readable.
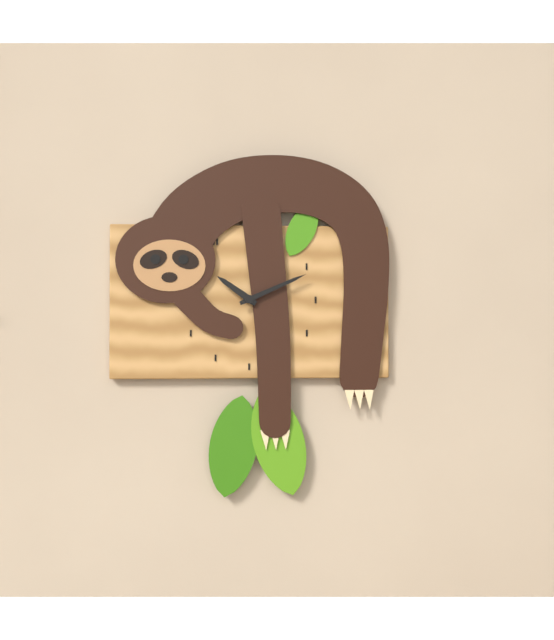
10:11
